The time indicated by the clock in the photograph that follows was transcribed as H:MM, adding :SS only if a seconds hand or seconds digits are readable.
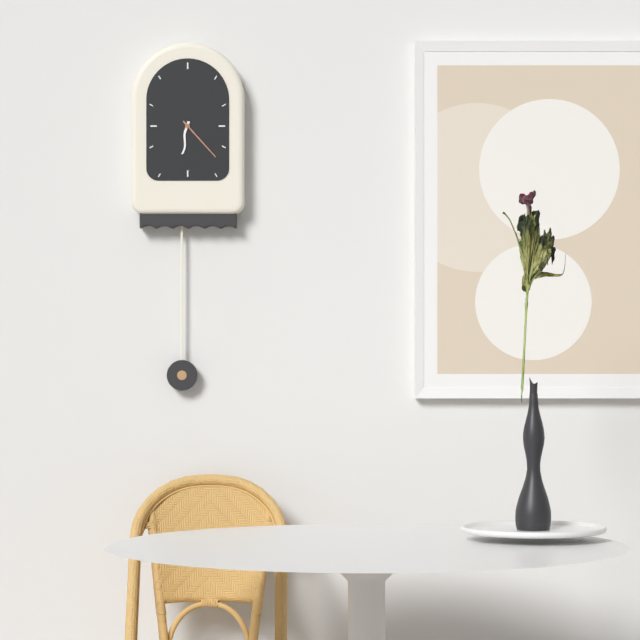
6:23
